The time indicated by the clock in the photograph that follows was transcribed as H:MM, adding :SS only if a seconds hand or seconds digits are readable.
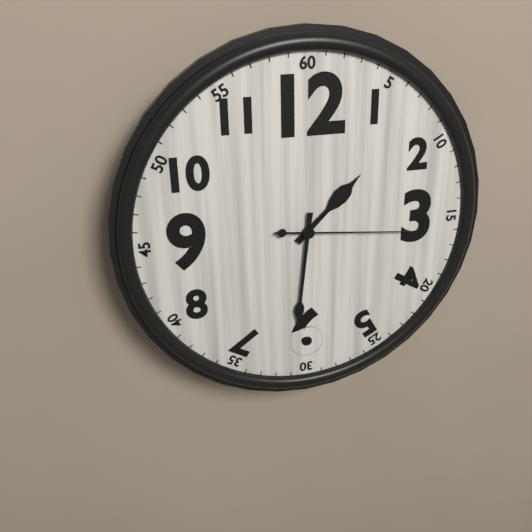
1:31:16
